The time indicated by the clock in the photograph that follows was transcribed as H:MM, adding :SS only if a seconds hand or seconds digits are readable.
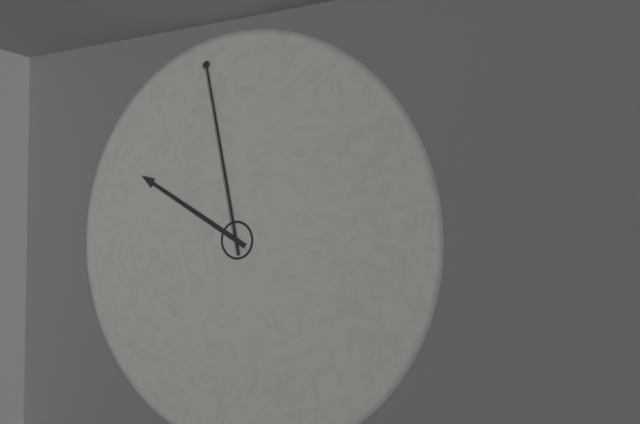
9:58
